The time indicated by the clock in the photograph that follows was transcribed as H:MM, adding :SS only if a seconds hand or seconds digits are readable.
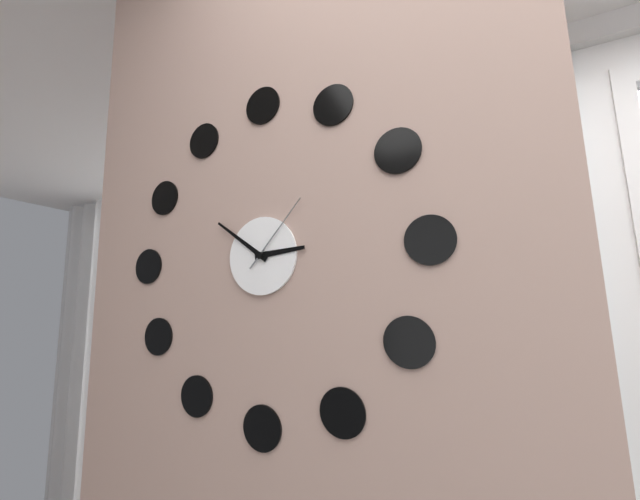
2:51:07
